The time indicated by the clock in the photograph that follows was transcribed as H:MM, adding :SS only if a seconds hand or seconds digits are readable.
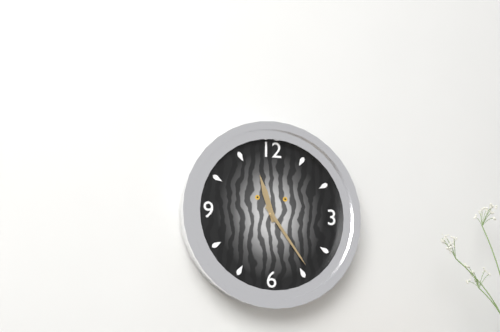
11:24
